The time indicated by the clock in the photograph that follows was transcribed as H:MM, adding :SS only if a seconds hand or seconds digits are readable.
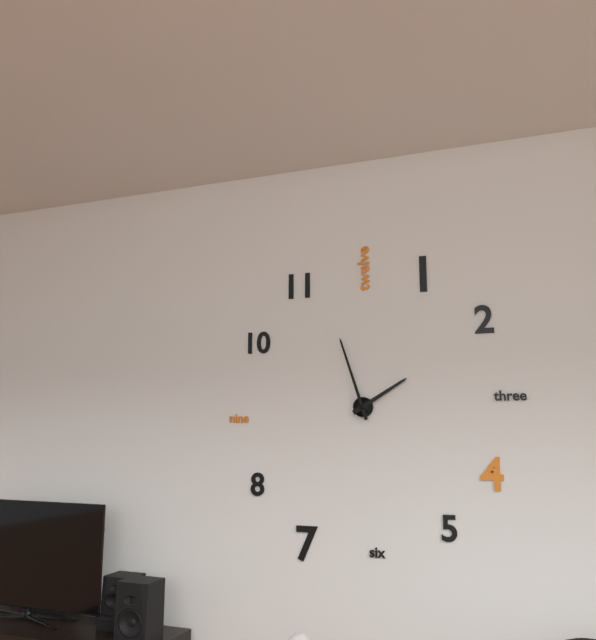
1:57
